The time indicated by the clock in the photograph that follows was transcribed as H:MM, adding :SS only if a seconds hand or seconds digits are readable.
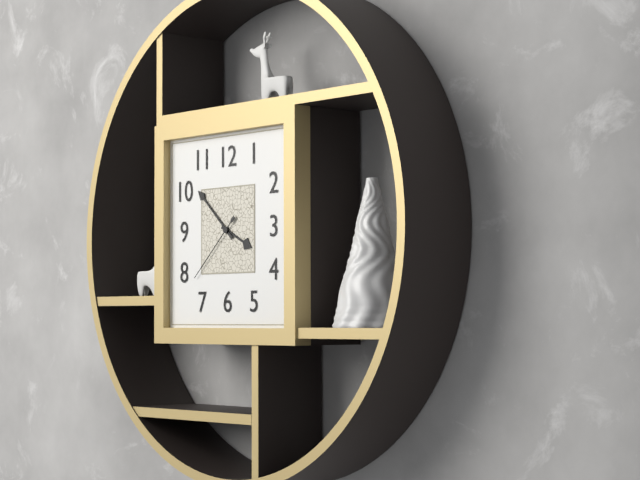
3:52:38
